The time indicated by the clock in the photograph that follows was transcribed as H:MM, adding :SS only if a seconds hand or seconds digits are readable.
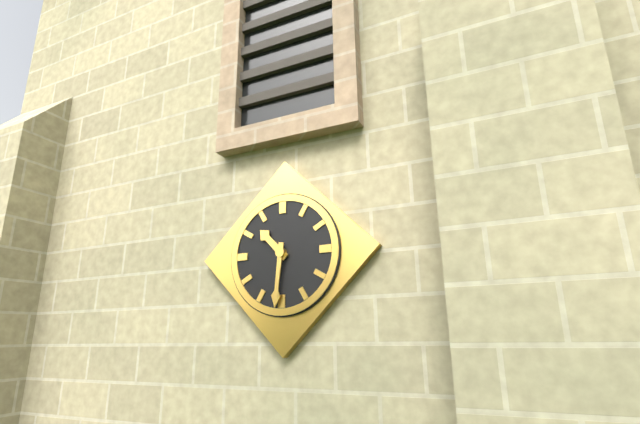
10:31
